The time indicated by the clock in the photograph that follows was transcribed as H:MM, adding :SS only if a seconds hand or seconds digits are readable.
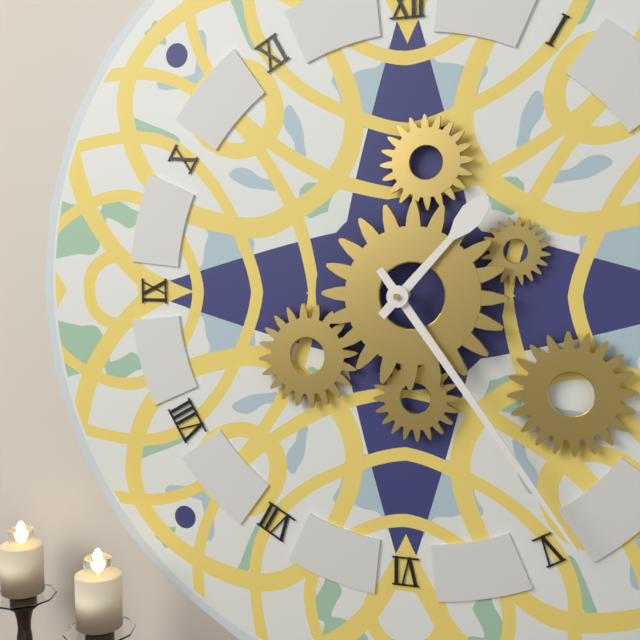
1:24
